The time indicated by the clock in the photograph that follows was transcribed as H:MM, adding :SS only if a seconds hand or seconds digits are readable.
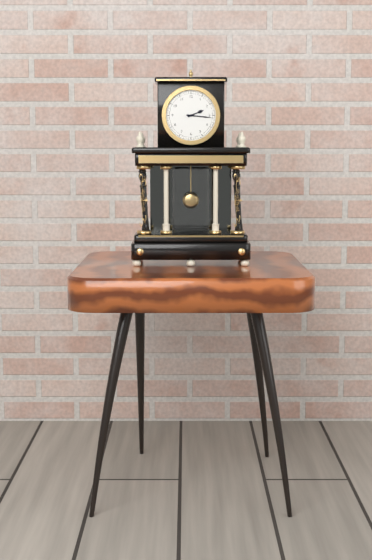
2:16
